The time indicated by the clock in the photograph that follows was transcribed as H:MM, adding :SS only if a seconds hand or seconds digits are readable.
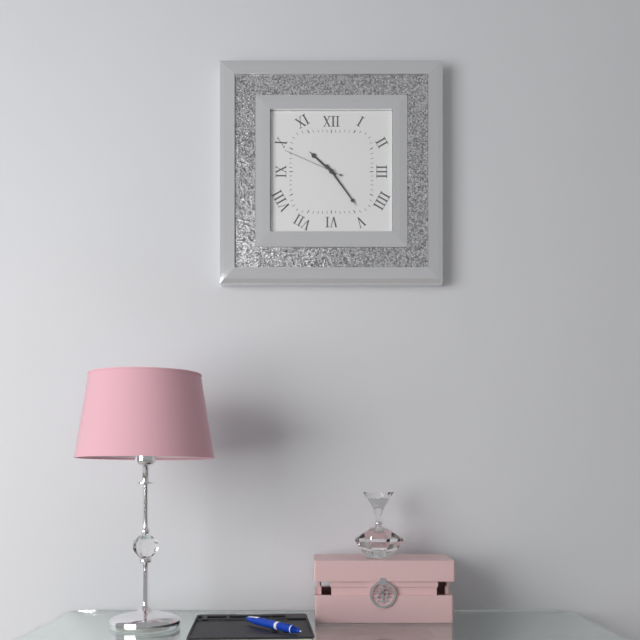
10:24:49
